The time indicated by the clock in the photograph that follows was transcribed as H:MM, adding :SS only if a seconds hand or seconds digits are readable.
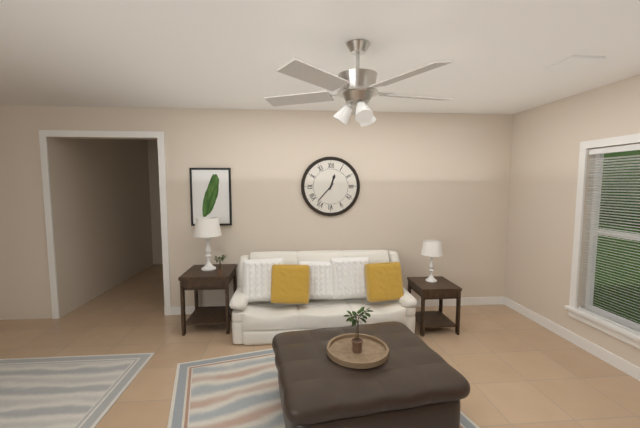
12:37
